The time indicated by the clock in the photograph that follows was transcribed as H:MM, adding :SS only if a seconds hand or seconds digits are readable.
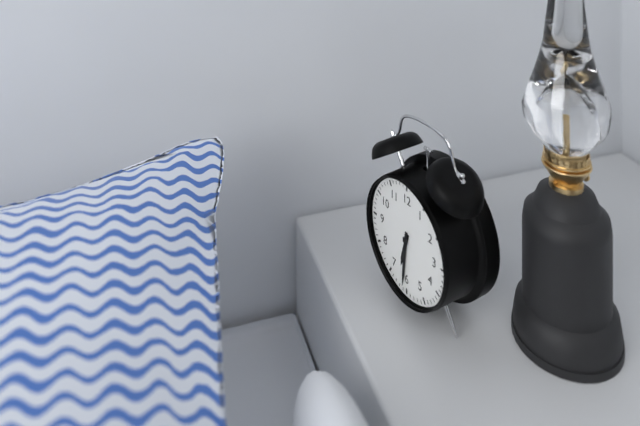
6:31
